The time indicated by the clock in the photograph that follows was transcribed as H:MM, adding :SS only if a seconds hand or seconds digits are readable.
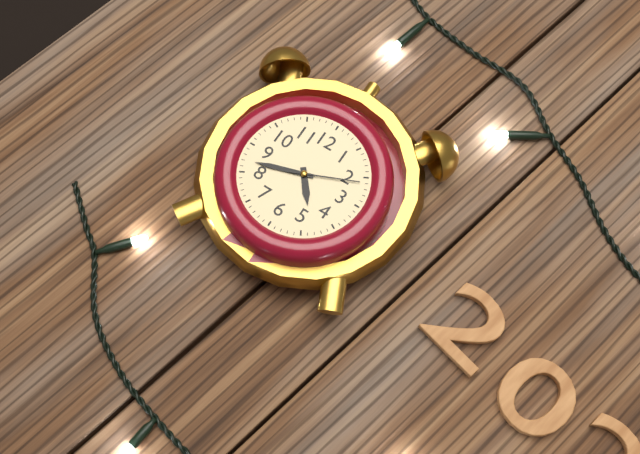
4:42:11
